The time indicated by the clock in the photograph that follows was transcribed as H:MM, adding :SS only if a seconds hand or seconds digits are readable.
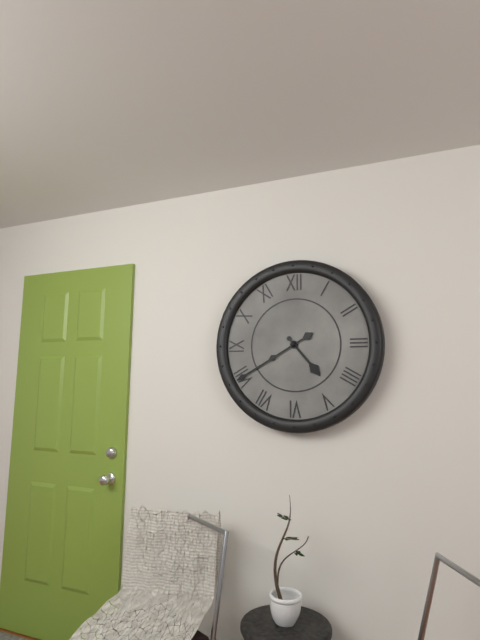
4:40
